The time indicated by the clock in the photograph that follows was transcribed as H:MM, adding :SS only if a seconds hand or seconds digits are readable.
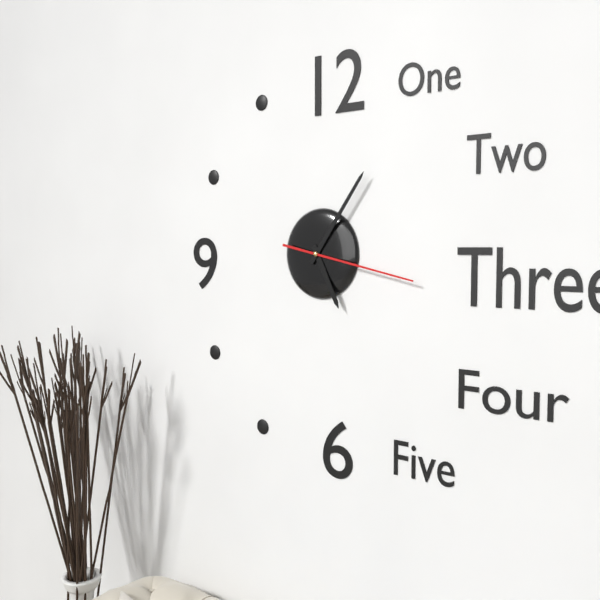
5:06:17
